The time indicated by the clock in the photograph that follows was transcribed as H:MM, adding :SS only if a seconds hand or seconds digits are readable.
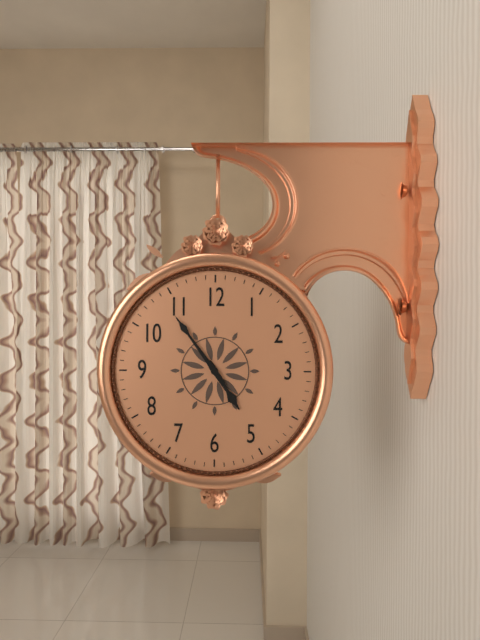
4:54
